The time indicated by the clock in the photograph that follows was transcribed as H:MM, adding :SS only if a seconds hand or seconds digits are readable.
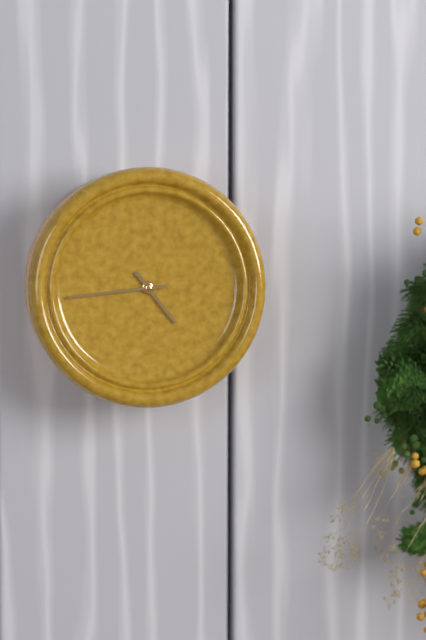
4:44
